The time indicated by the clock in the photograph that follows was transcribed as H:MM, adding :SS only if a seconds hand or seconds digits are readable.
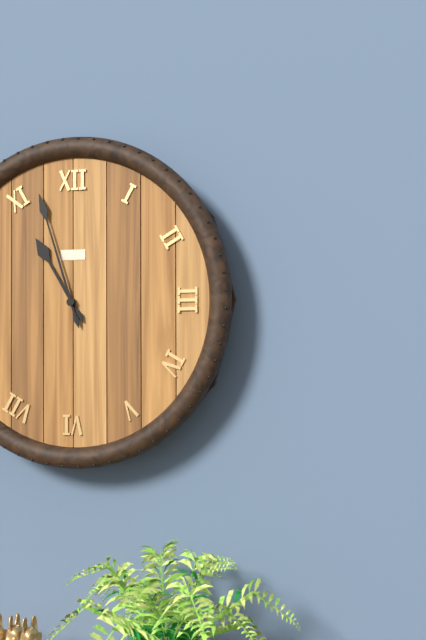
10:57
